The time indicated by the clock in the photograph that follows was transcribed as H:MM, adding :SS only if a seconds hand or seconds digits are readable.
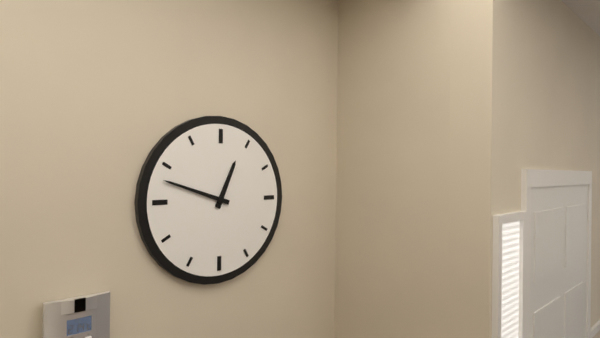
12:48
